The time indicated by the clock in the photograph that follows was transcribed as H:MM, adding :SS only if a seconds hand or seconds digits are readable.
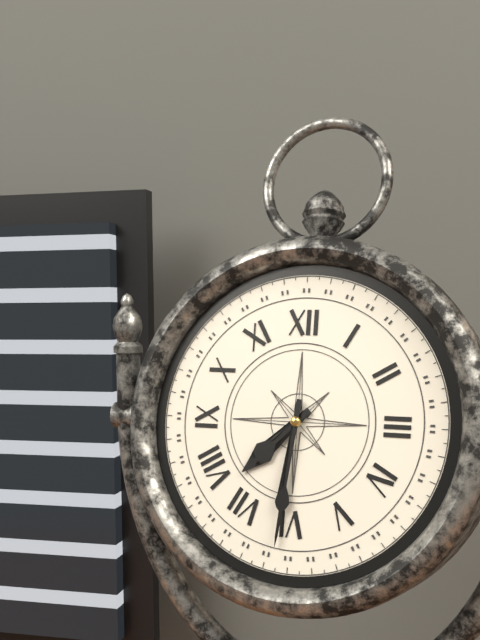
7:31
